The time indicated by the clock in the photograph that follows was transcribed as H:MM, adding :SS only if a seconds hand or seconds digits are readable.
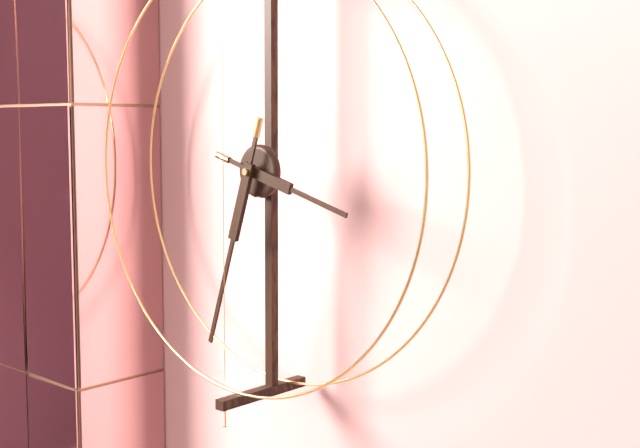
3:33
